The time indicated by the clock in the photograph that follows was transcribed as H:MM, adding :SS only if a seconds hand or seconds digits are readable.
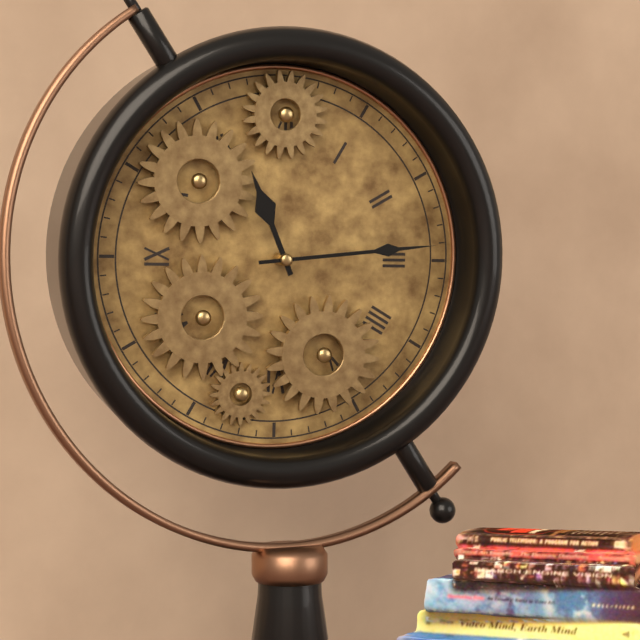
11:14
